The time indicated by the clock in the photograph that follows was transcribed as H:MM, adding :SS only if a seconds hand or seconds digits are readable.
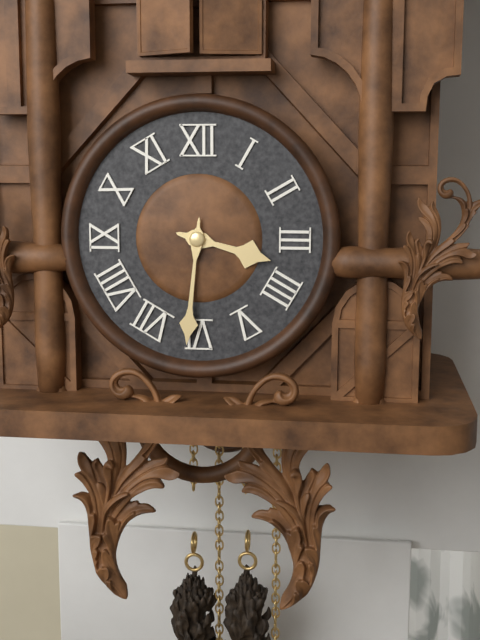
3:31
